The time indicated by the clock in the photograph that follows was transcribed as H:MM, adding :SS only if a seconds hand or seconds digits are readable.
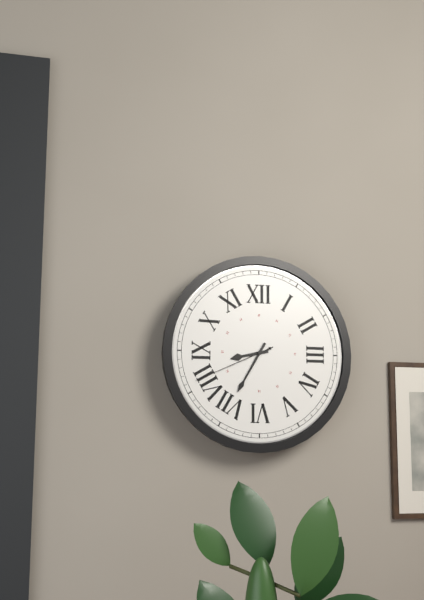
8:35:41
